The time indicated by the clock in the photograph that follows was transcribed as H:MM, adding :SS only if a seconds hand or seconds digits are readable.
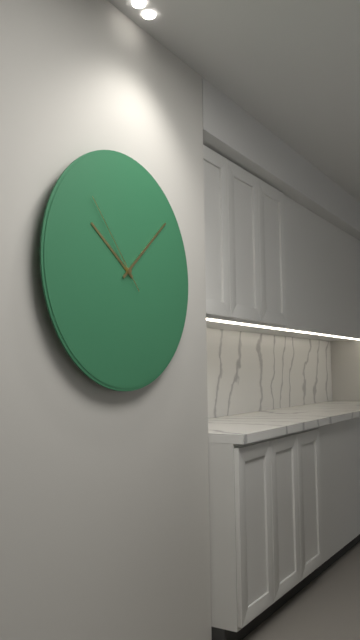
10:08:53
